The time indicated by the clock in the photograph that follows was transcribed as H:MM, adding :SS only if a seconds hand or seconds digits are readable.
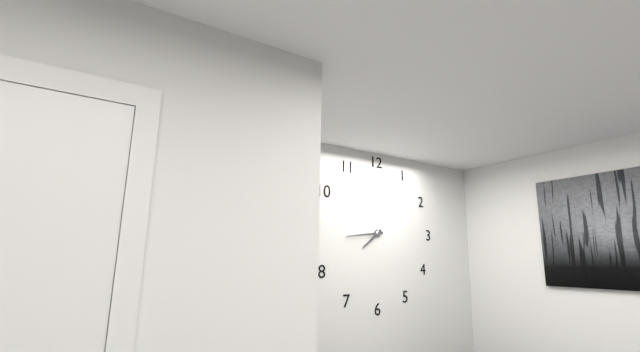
7:44
